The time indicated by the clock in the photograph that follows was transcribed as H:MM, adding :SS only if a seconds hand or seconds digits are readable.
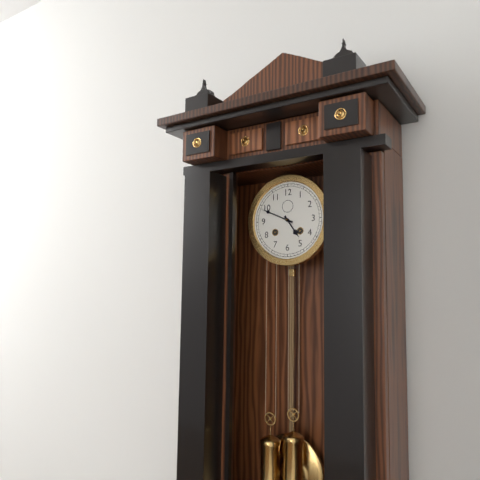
4:49
